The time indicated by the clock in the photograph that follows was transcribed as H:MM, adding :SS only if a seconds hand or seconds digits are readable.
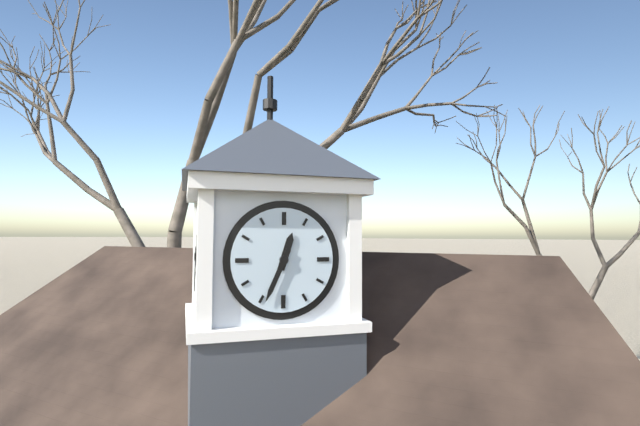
12:34
